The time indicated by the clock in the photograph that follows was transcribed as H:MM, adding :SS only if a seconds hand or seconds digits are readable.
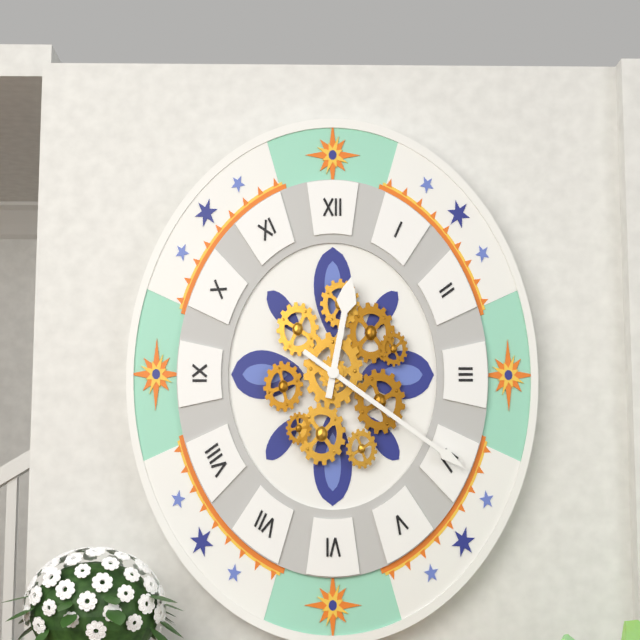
12:21
